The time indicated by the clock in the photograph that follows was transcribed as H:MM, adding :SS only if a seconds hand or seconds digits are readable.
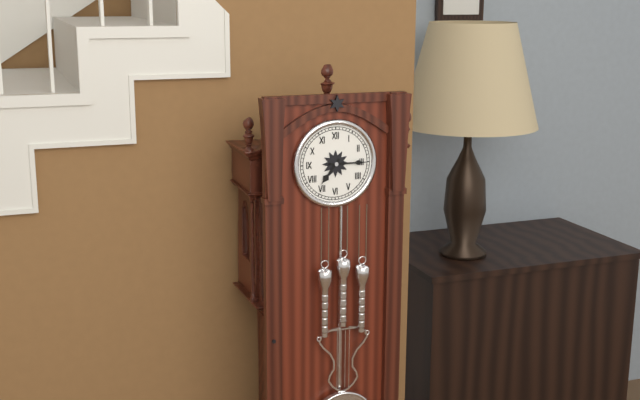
7:15
